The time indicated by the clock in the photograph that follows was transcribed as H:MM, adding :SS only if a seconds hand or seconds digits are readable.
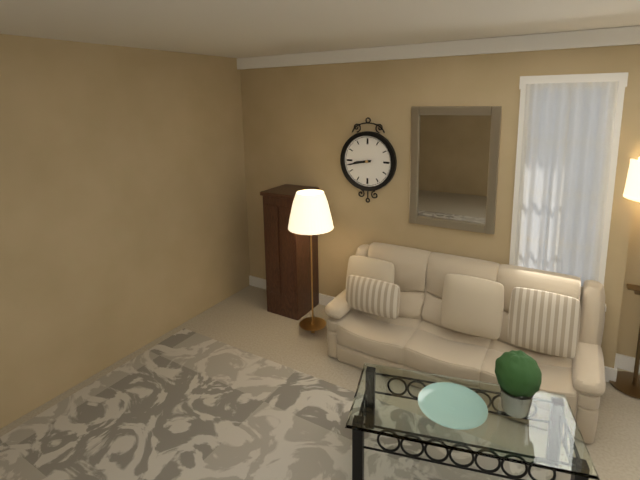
8:43
